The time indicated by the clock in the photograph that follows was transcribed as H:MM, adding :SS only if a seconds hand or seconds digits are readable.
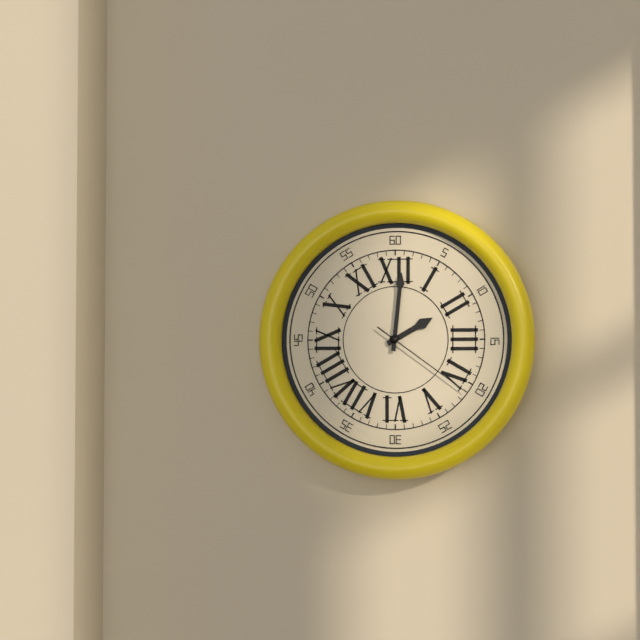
2:01:21
